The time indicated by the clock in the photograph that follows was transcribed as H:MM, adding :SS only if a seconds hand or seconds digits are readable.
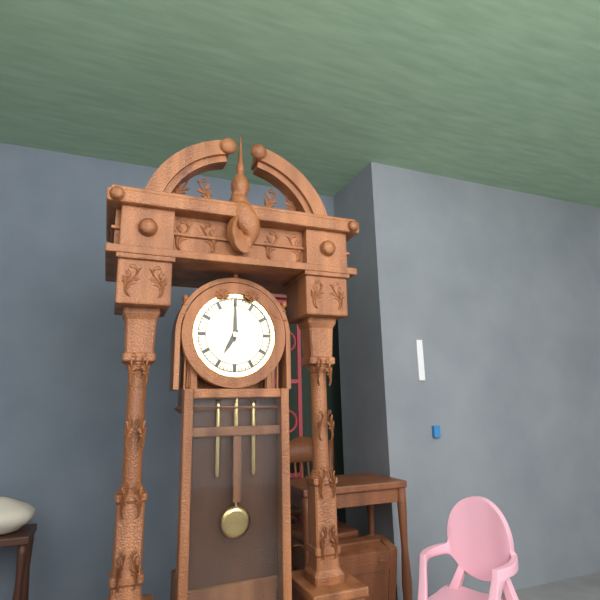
7:00
